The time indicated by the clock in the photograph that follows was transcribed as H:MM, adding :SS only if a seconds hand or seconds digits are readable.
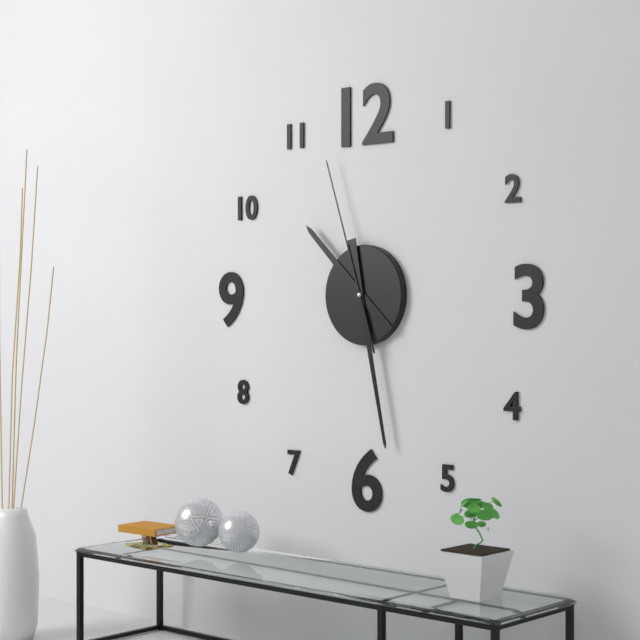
10:28:57
